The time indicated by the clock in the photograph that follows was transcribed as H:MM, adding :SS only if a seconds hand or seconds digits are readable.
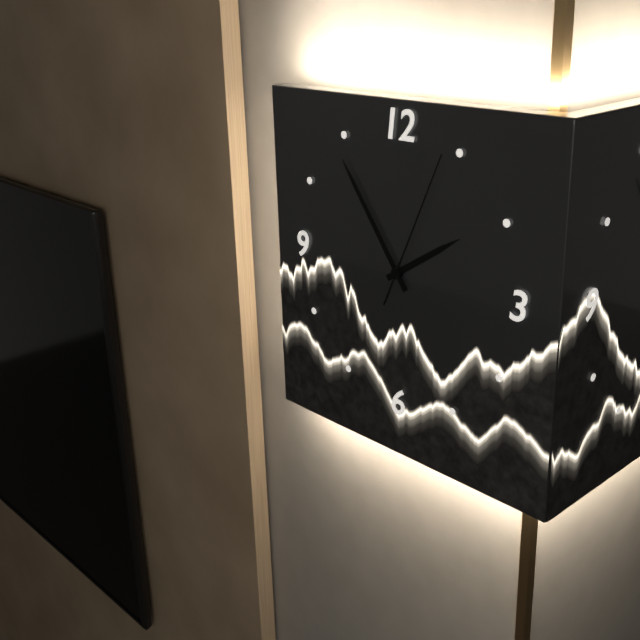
1:54:04
